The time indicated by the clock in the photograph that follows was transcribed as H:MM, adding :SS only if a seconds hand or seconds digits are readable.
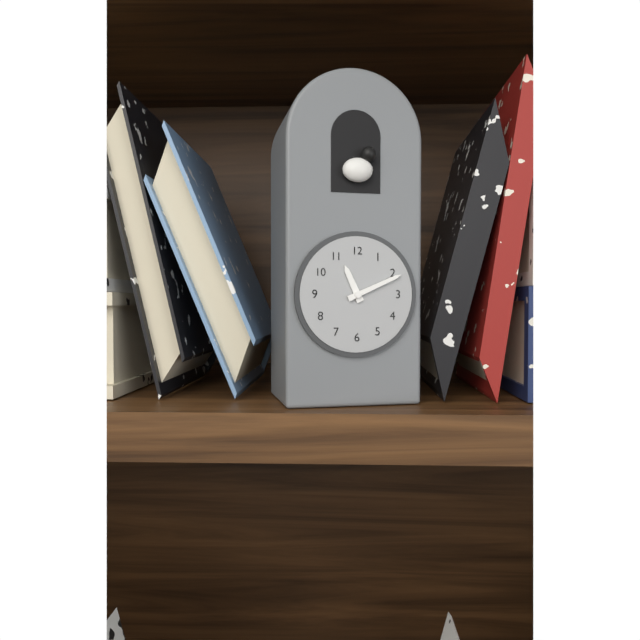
11:11
